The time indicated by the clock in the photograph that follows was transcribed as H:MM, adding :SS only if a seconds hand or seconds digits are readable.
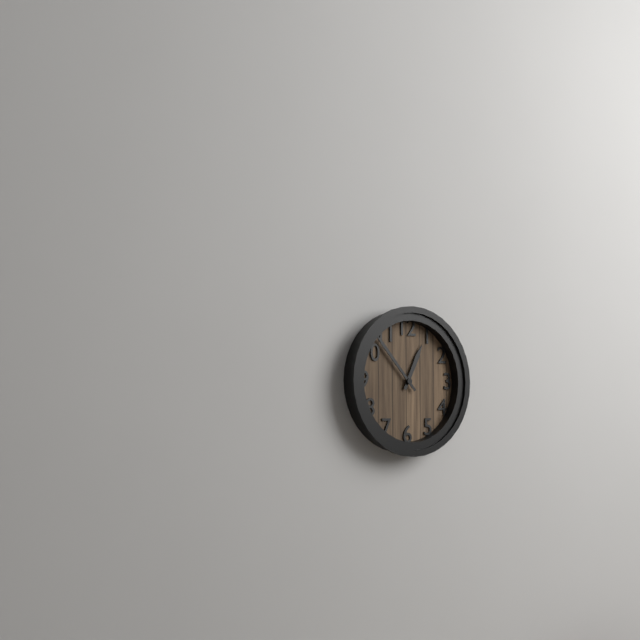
12:53
